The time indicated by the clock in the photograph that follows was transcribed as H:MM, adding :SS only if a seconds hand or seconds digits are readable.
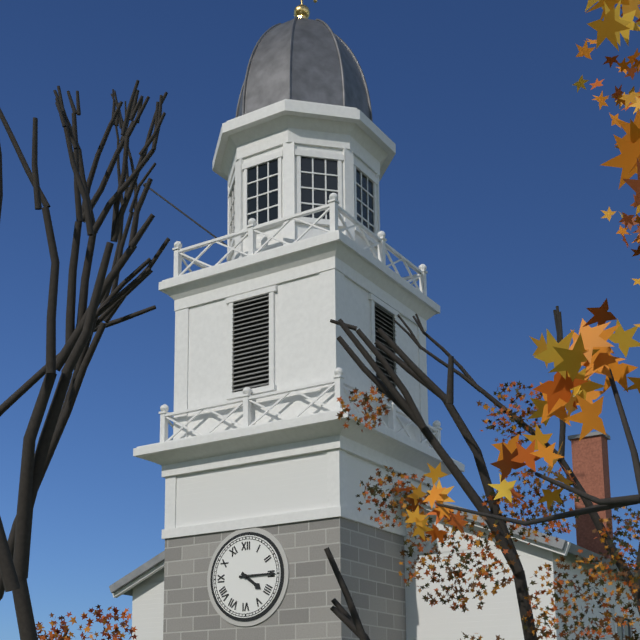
4:15
